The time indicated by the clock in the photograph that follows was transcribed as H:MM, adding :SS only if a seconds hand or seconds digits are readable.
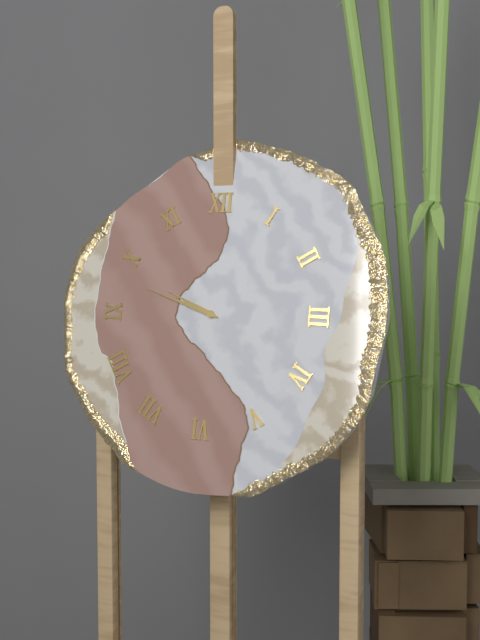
9:48
